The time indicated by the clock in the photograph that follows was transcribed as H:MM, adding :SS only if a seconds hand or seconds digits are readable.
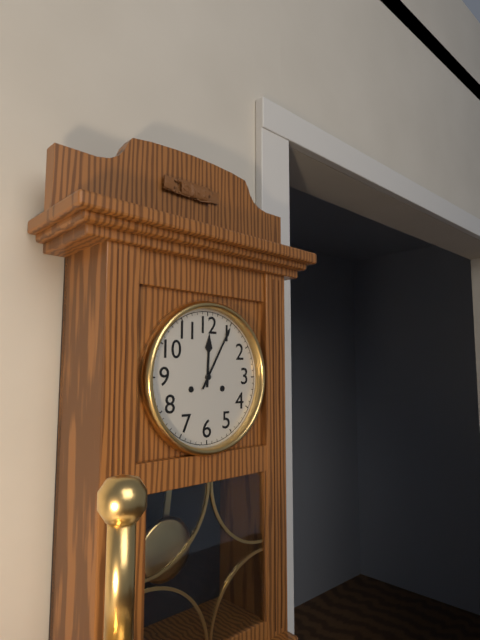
12:05
